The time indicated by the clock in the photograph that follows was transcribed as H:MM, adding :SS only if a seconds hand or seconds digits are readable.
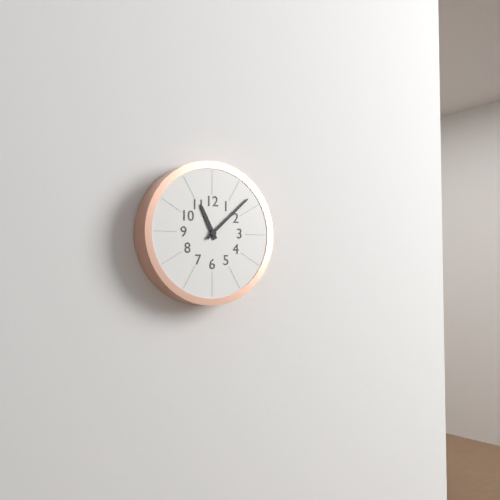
11:08
